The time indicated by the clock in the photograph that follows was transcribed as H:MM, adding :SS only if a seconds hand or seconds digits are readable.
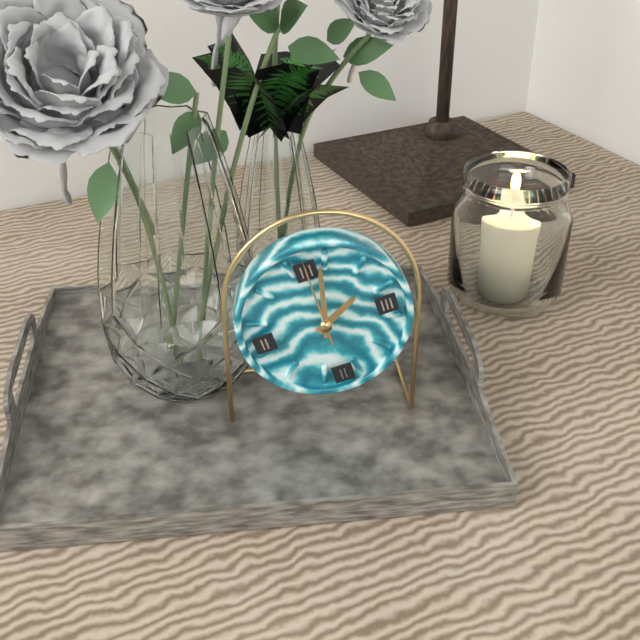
2:02:00
